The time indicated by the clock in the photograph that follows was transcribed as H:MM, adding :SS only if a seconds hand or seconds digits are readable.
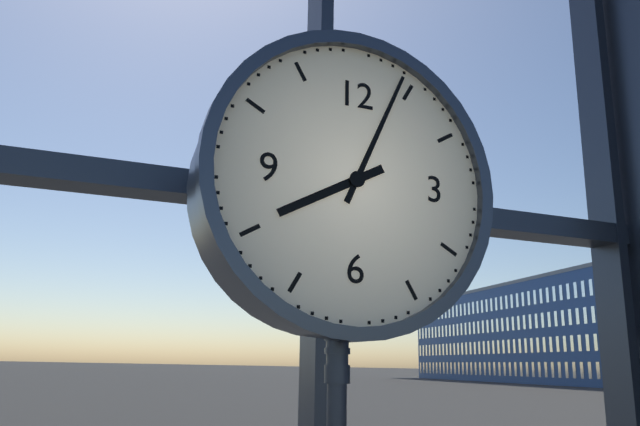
8:04
